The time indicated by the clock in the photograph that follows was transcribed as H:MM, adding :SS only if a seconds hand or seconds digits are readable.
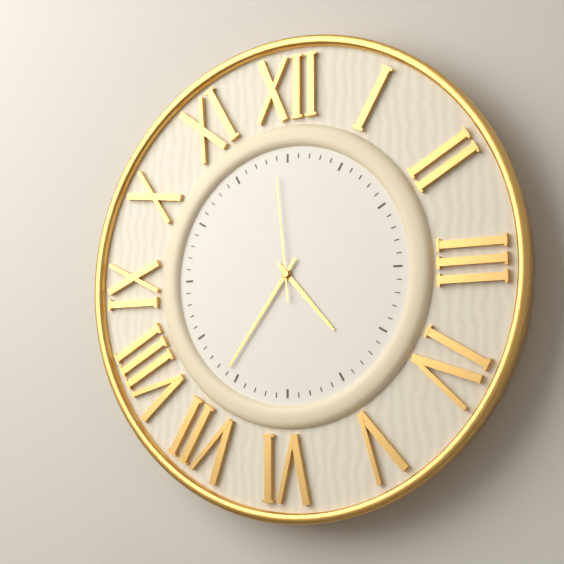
4:36:59
